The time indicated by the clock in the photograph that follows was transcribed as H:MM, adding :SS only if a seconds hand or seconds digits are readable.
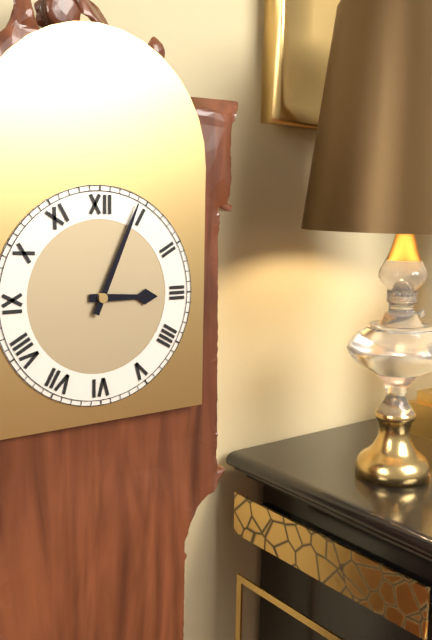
3:04
